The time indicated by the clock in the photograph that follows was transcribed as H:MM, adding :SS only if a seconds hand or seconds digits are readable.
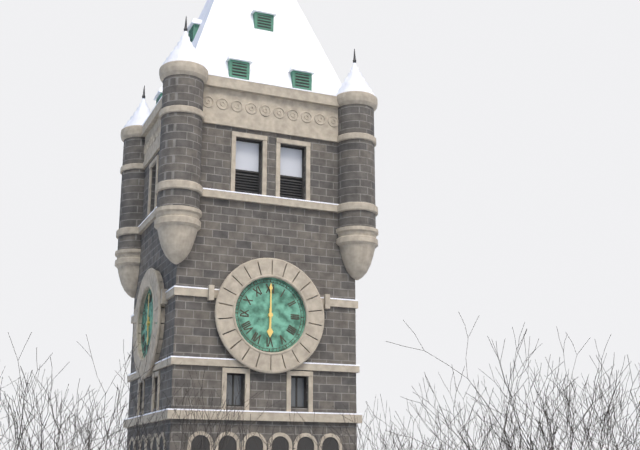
6:00
